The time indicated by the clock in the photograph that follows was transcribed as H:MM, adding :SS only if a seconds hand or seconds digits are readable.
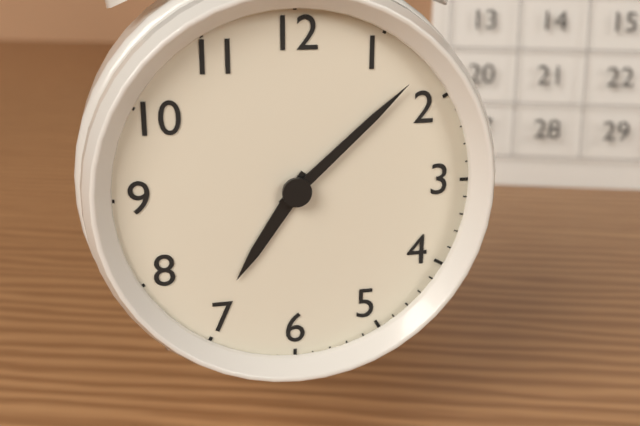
7:08
